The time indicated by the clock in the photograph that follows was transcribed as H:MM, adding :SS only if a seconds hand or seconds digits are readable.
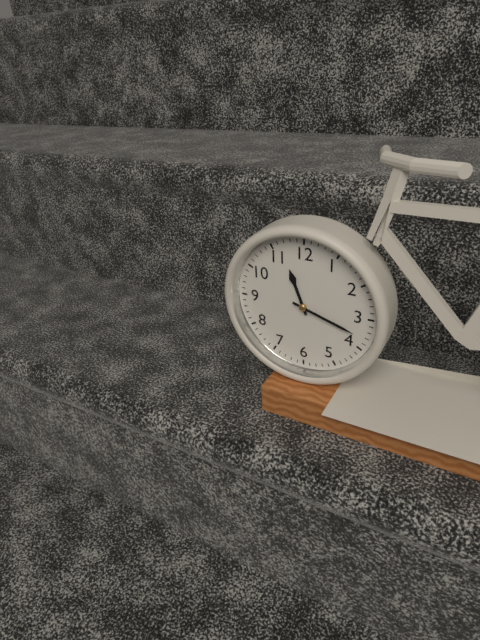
11:18
